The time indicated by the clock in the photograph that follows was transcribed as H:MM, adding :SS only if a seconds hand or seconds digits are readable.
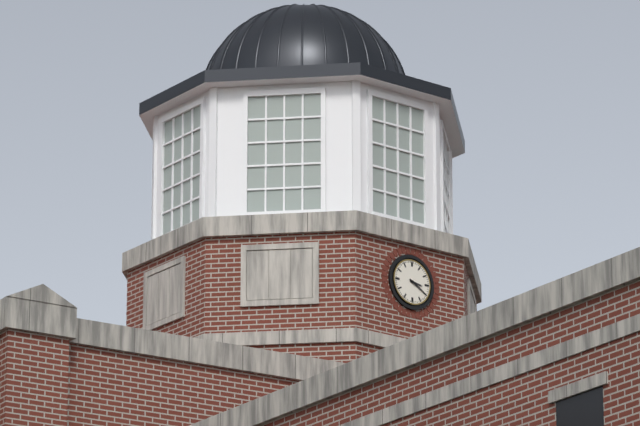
3:20
